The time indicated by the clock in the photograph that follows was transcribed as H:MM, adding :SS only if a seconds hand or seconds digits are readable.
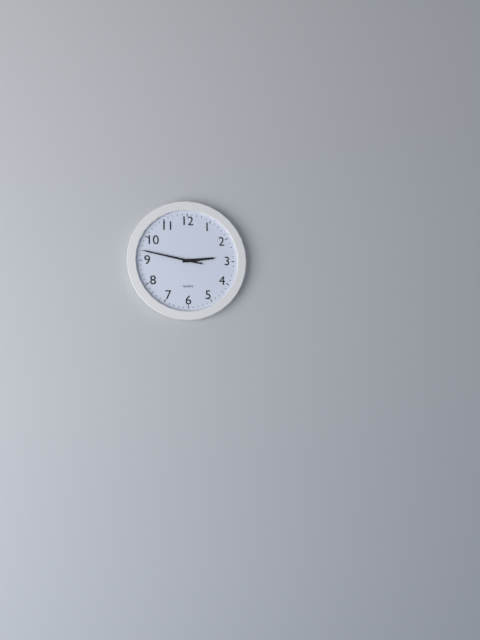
2:47
